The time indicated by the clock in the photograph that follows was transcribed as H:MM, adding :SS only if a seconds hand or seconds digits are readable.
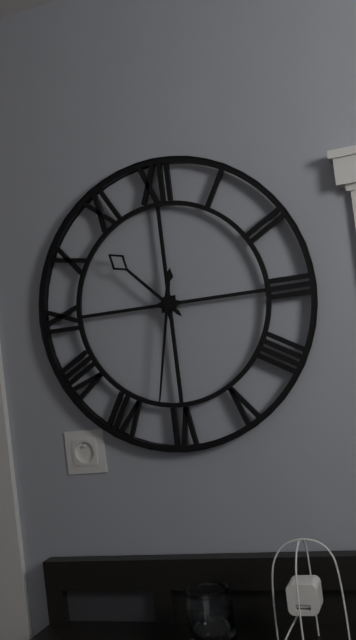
10:32
